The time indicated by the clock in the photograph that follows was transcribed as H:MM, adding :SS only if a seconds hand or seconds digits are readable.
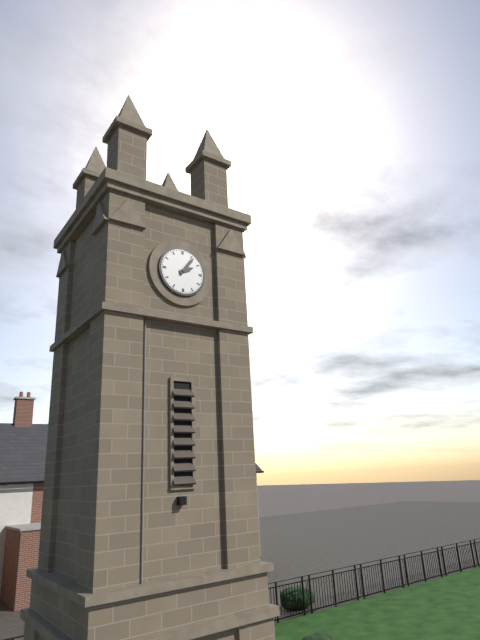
2:06
